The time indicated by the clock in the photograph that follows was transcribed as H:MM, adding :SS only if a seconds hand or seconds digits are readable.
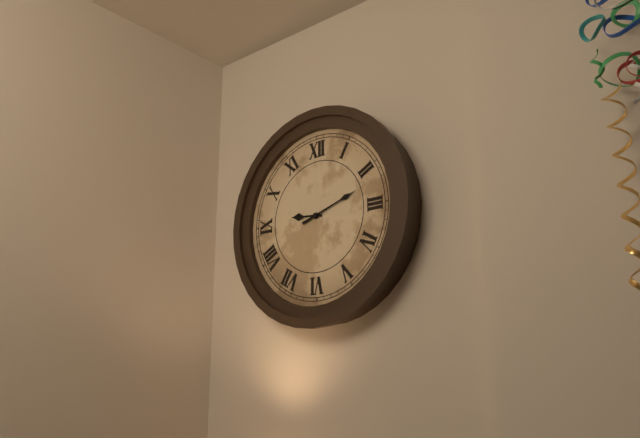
9:12
